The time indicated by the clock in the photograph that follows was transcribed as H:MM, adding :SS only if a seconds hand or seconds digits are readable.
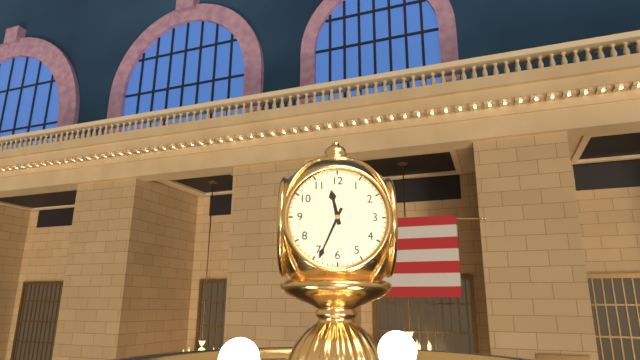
11:34
